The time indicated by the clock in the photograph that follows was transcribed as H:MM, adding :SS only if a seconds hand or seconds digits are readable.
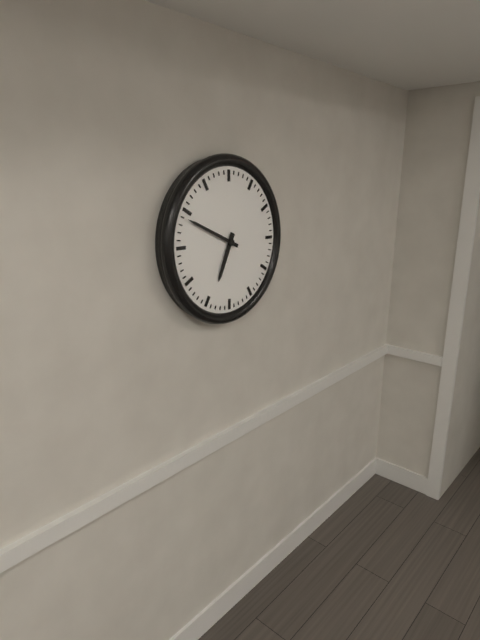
6:49
